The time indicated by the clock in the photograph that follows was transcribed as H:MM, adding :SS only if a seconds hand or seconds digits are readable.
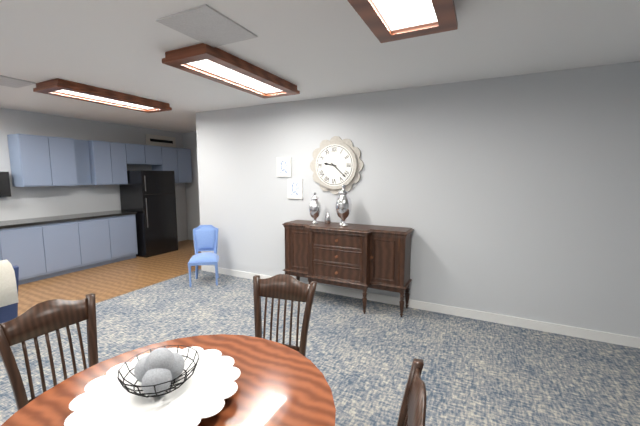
9:22
